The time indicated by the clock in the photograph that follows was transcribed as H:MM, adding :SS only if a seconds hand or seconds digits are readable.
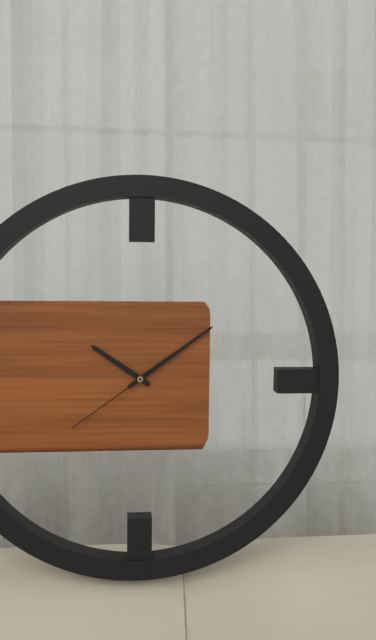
10:09:39
